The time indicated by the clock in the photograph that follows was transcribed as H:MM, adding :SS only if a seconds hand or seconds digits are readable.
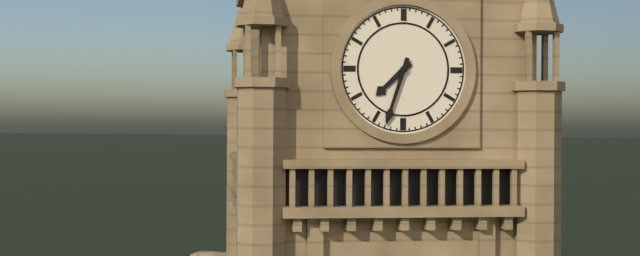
7:33
